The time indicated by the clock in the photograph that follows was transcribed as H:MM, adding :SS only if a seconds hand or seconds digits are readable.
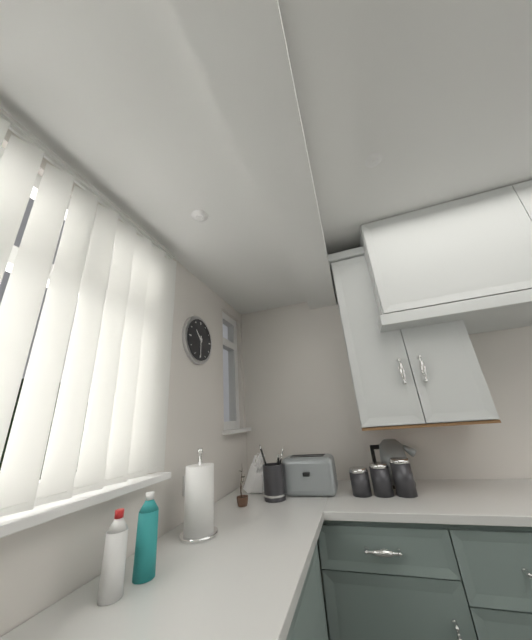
10:30
